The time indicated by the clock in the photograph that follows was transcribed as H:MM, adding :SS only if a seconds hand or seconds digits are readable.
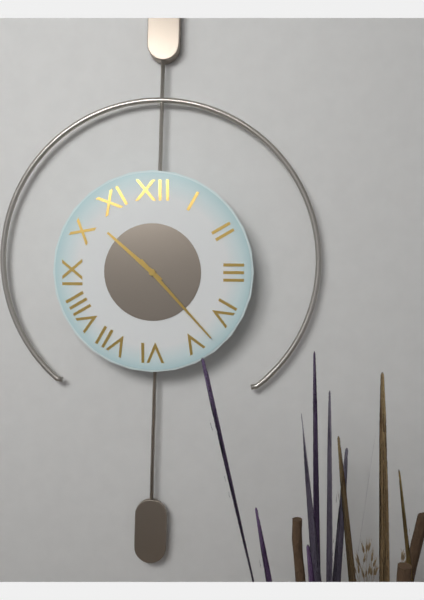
10:23
